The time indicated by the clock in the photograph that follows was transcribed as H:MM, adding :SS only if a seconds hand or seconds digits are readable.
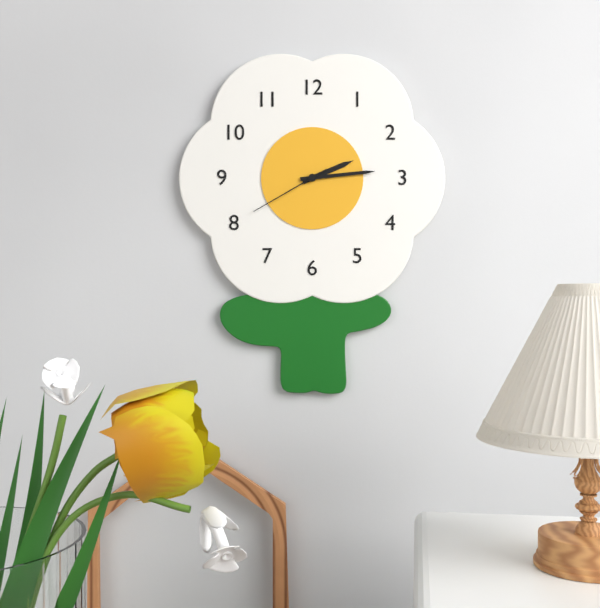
2:14:40
